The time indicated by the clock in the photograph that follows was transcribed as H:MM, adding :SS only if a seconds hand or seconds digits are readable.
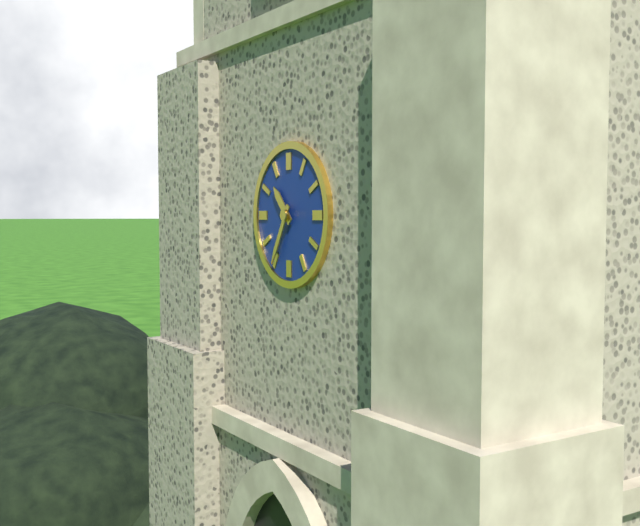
10:35
